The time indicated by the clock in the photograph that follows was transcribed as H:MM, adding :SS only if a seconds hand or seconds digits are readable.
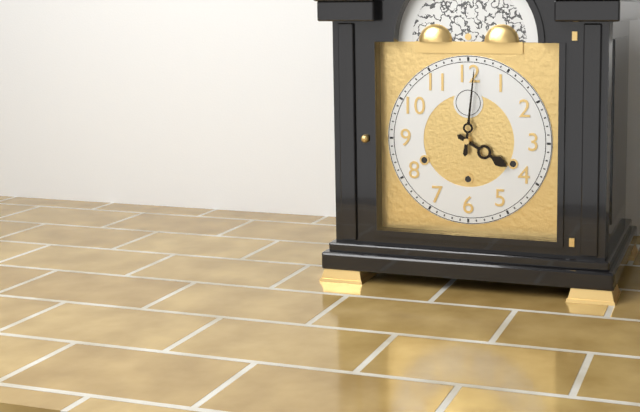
4:01
